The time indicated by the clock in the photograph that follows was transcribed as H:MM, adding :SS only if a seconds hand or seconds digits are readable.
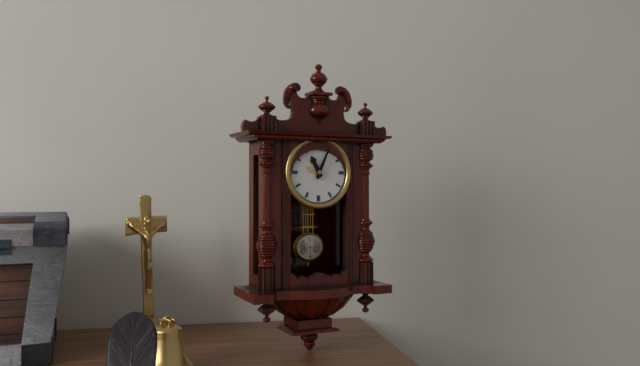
11:04
